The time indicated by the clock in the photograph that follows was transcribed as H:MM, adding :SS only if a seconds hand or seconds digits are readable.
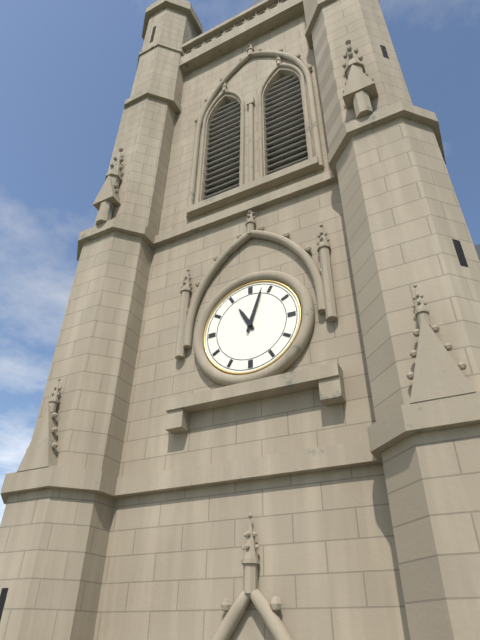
11:03
